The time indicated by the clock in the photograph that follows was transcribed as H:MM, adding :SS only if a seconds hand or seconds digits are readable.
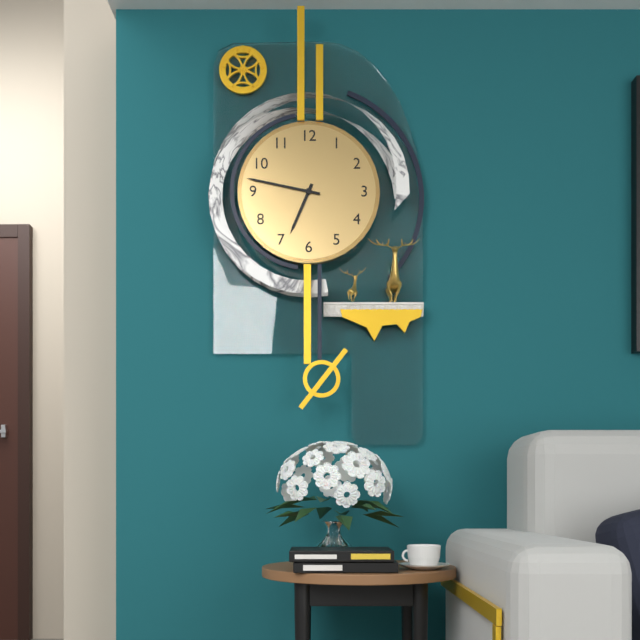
6:47
